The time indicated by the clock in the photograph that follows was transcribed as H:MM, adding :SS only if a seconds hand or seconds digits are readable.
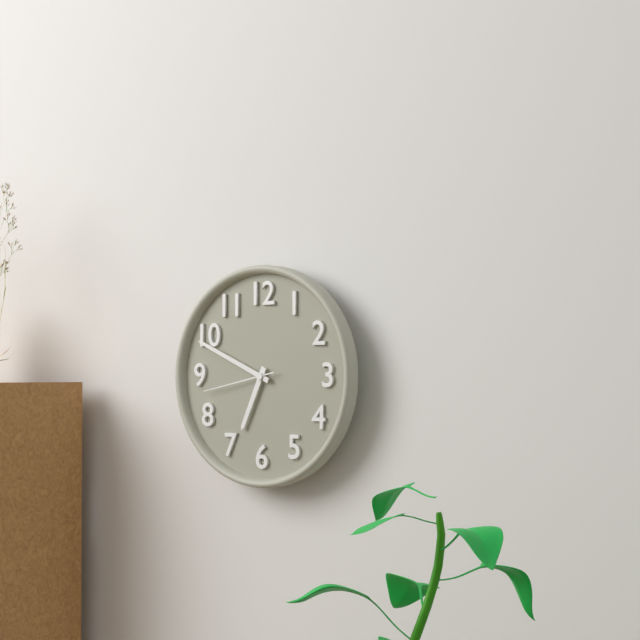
6:49:43
